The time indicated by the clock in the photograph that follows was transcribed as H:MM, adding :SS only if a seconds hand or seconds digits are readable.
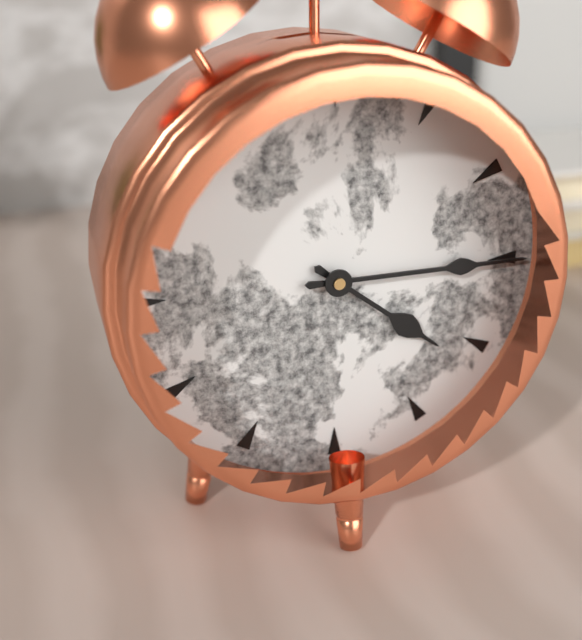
4:15
